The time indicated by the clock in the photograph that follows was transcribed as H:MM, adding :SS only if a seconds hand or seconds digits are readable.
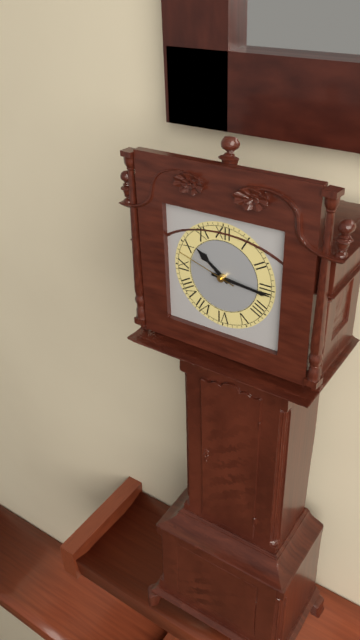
10:16:48
